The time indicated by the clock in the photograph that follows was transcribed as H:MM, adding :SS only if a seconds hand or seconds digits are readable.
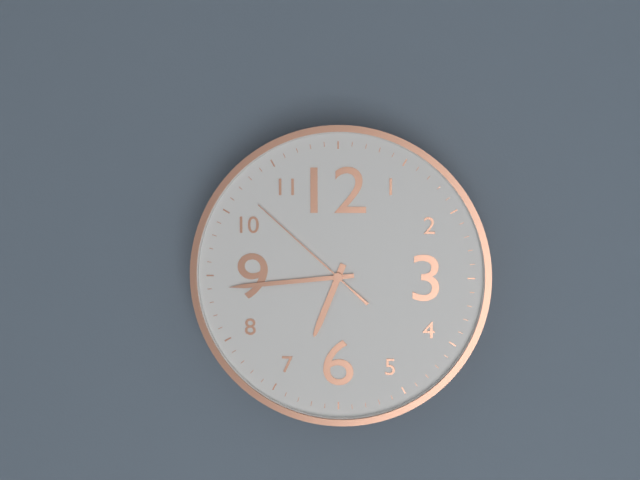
6:44:52
